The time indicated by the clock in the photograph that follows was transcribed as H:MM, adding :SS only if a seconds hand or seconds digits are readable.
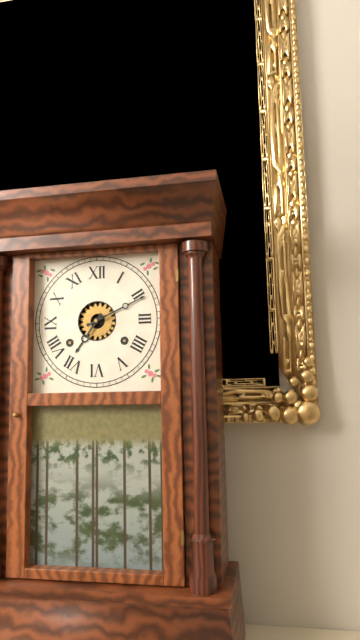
7:11
